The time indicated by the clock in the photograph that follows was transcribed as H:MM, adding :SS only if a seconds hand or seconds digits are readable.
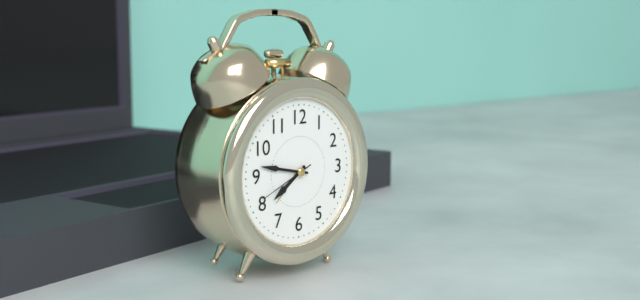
7:47:41
